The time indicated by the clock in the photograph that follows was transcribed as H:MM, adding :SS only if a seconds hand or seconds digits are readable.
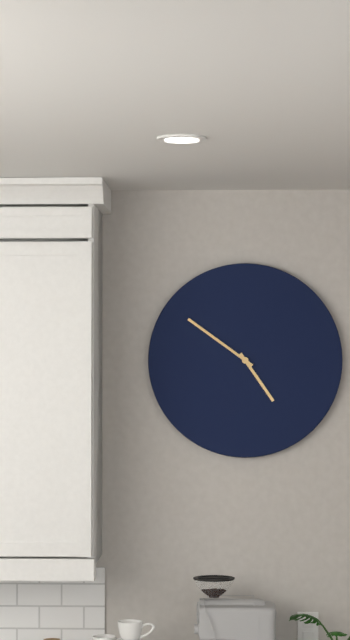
4:51
